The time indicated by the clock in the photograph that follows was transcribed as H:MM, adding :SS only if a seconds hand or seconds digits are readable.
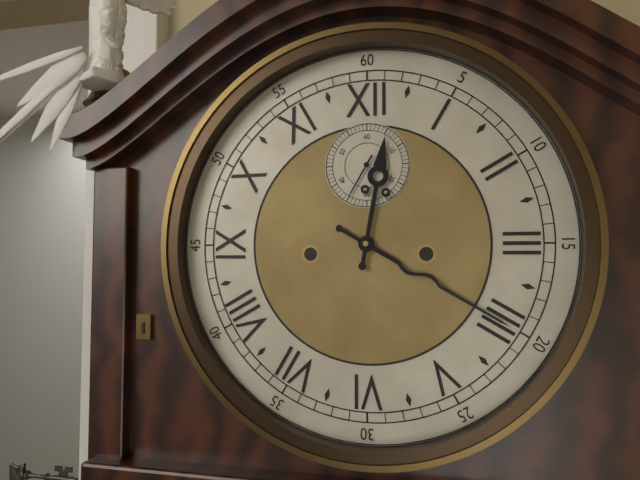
12:20
